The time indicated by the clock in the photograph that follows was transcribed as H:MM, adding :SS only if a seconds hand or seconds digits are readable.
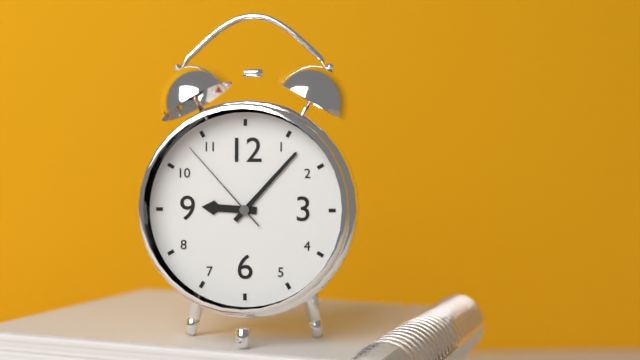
9:07:53
